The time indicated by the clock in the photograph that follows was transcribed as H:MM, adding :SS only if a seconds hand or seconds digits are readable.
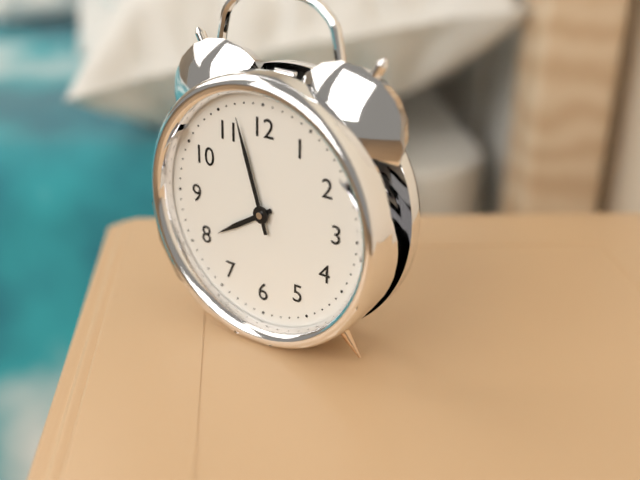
7:57
